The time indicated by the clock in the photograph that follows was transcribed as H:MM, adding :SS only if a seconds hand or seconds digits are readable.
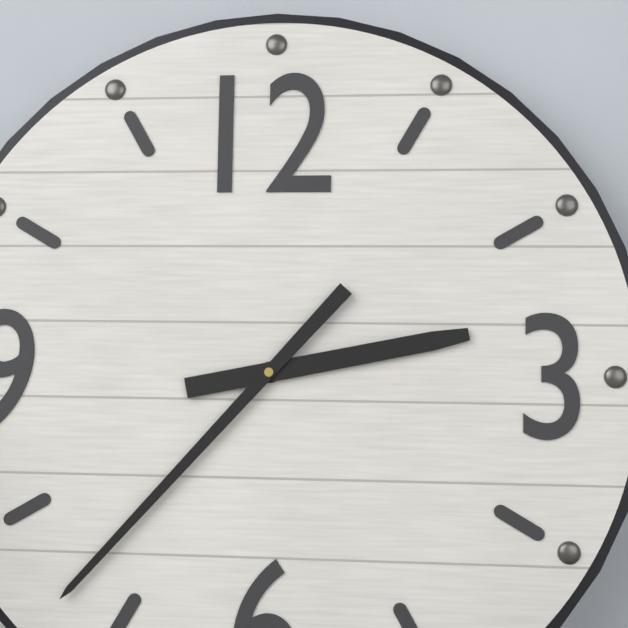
2:37
